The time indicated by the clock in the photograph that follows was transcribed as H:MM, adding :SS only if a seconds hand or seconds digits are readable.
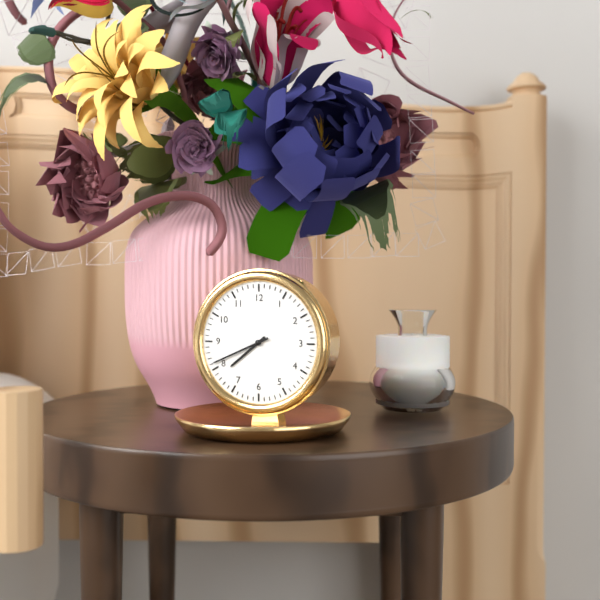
7:41
